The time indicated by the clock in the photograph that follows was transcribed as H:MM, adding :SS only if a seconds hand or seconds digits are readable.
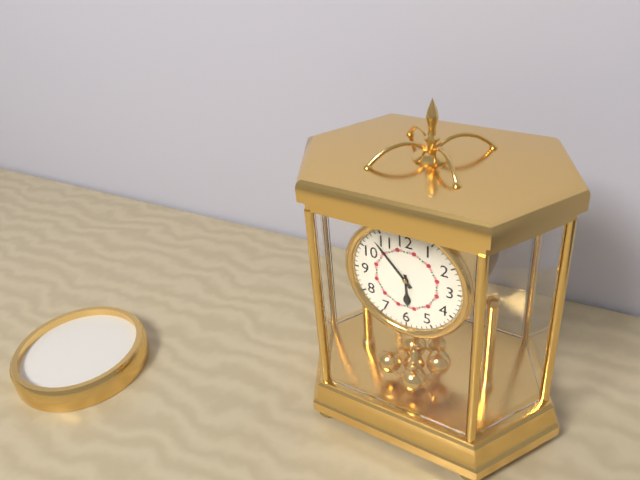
5:53
